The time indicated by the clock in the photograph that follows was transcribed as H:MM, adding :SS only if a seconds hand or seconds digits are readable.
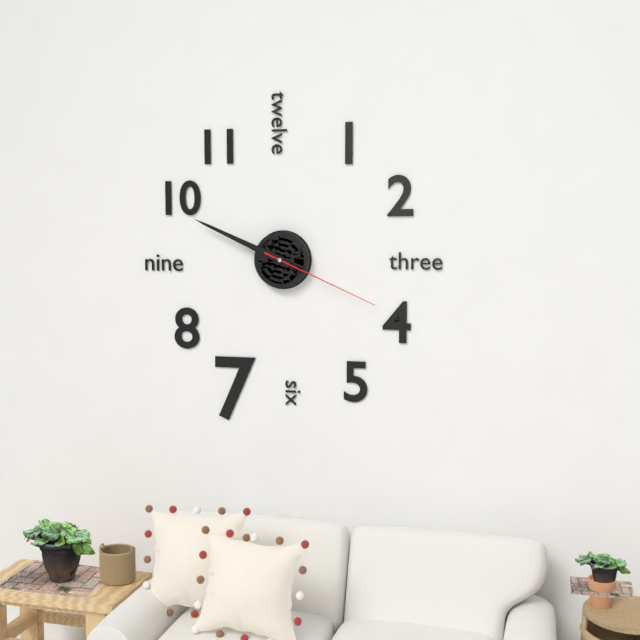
9:49:19
